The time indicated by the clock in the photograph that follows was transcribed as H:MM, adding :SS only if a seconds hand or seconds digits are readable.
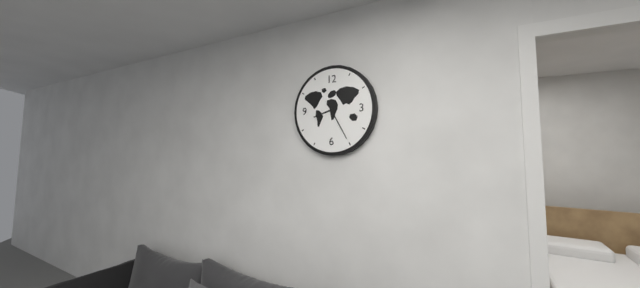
8:25
